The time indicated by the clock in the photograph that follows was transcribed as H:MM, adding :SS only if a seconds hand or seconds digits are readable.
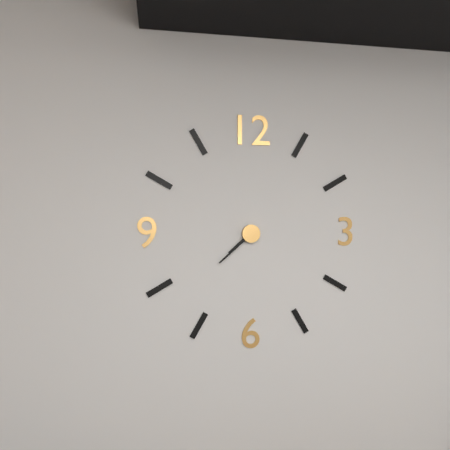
7:38
